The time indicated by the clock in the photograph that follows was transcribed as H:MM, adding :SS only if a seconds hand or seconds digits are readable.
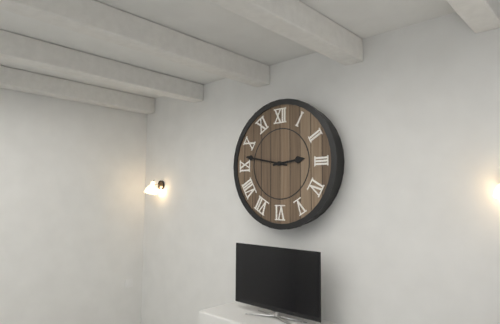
2:47
